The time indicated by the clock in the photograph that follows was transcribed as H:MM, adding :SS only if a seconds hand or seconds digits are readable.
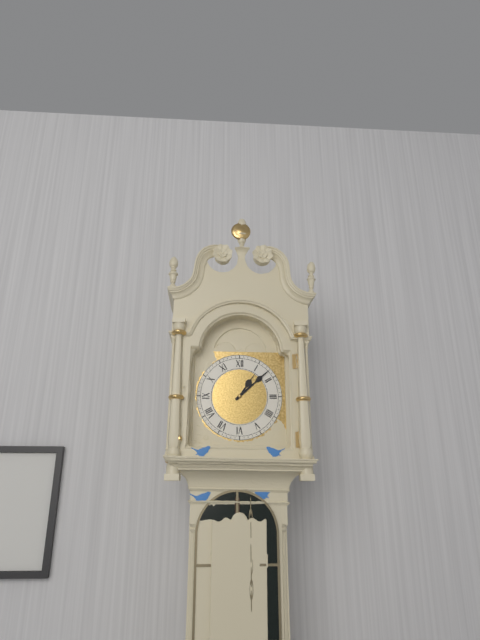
1:08
